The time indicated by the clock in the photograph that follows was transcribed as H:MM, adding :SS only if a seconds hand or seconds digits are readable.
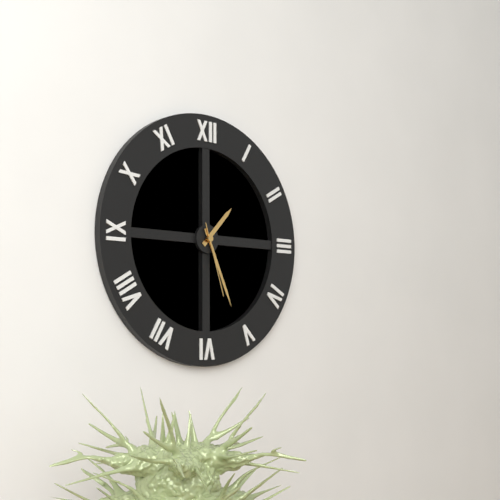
1:26:27
